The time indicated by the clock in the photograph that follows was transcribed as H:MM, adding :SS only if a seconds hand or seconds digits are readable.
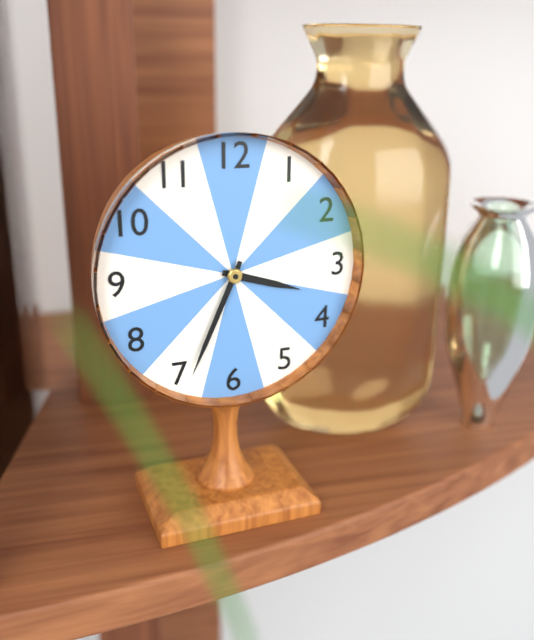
3:34
